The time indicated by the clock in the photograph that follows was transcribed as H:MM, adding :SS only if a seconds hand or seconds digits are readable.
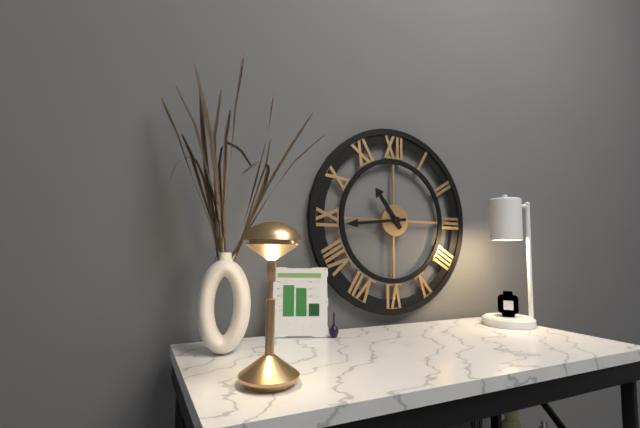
10:44
